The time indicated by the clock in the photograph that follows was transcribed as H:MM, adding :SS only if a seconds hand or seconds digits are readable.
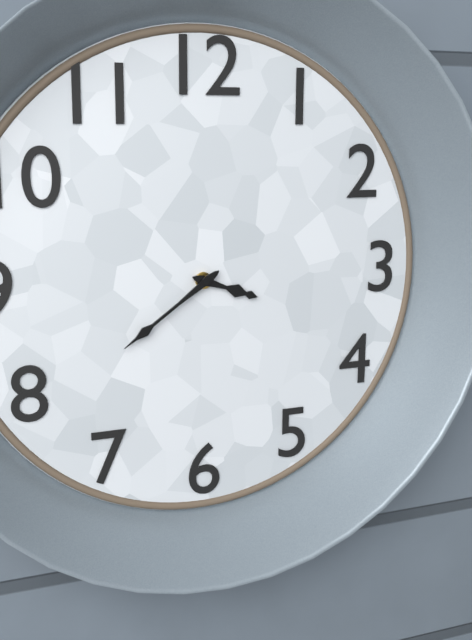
3:39
